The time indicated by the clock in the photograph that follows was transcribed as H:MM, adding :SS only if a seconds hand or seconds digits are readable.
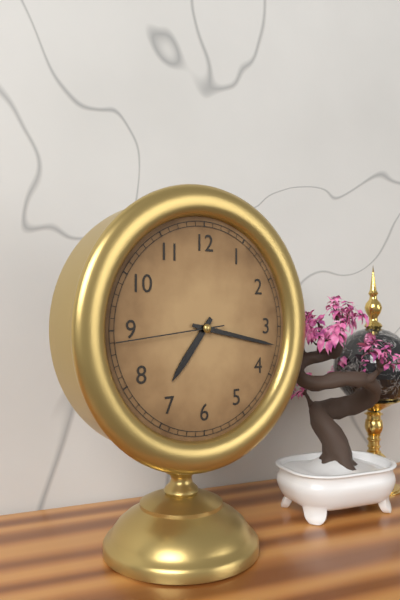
7:17:44
